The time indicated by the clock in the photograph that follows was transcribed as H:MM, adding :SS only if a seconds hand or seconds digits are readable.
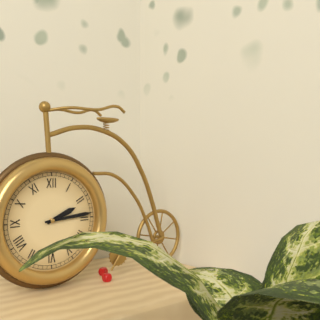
2:14
